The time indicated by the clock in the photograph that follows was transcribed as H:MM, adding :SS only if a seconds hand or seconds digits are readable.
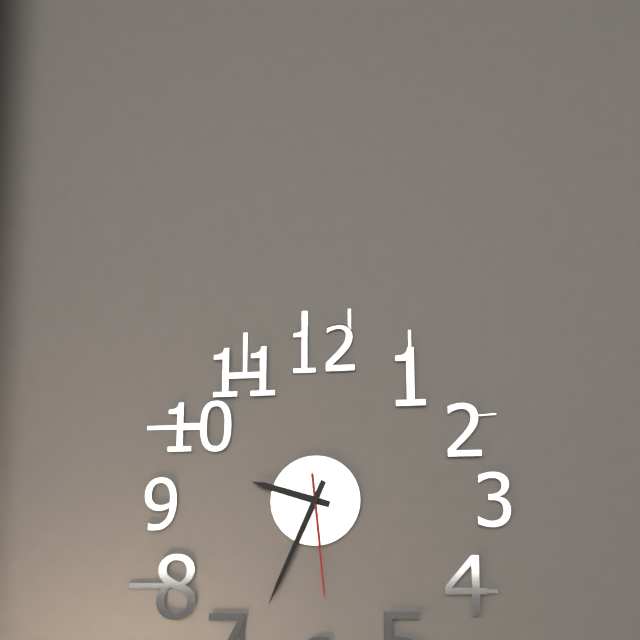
9:34:29
